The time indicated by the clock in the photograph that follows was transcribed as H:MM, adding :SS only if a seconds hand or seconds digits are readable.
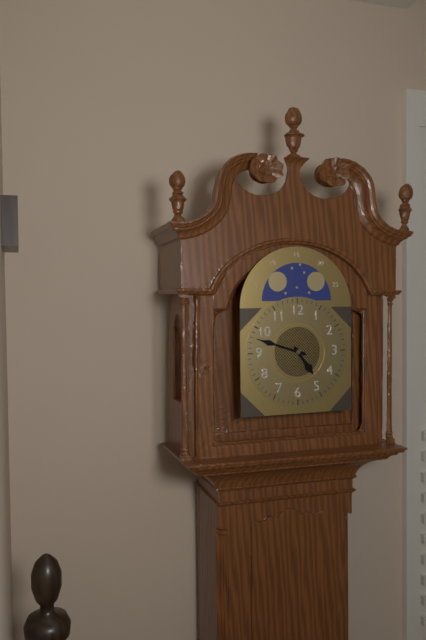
4:48
